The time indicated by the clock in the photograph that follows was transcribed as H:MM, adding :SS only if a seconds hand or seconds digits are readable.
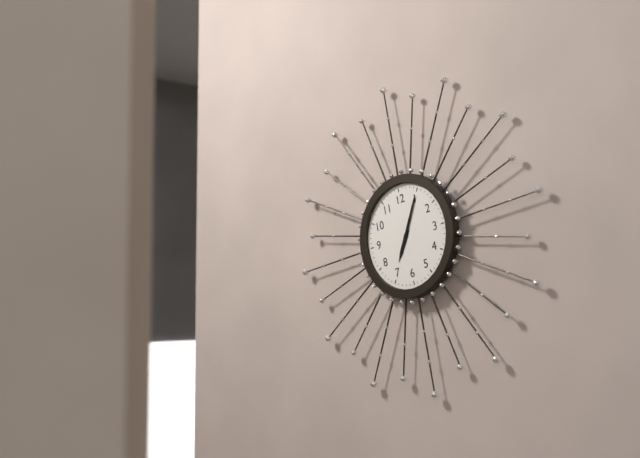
7:05
